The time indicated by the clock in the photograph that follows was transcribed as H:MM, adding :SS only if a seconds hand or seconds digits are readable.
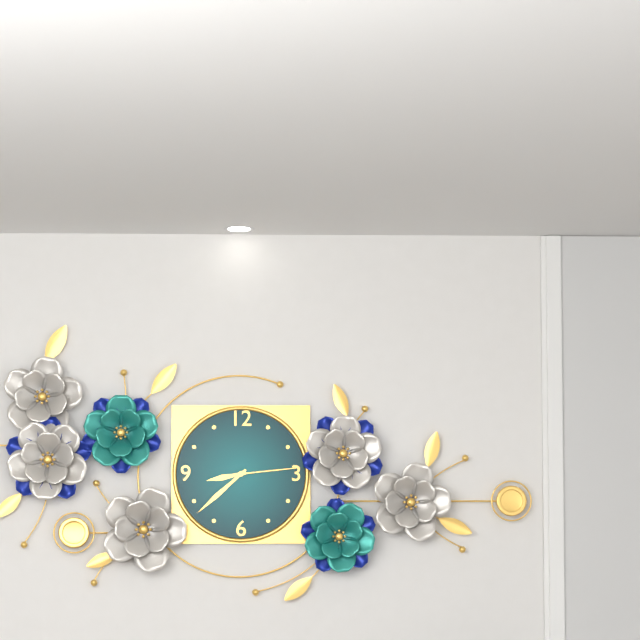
8:38:14
